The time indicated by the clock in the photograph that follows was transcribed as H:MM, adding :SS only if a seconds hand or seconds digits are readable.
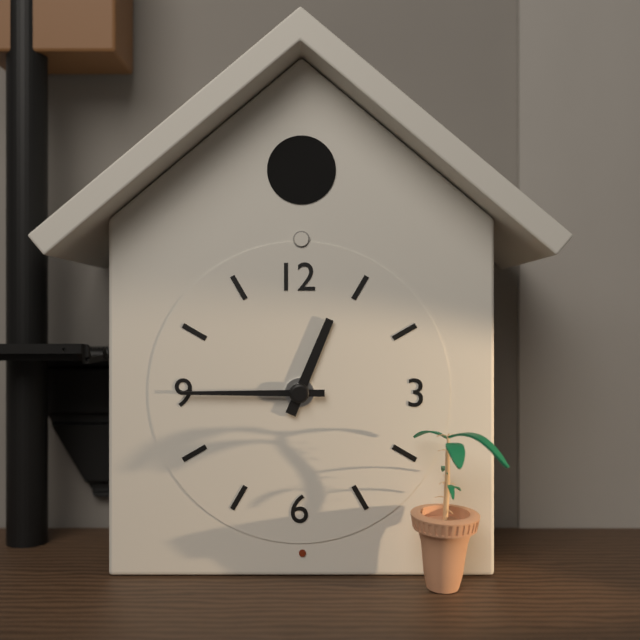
12:45
